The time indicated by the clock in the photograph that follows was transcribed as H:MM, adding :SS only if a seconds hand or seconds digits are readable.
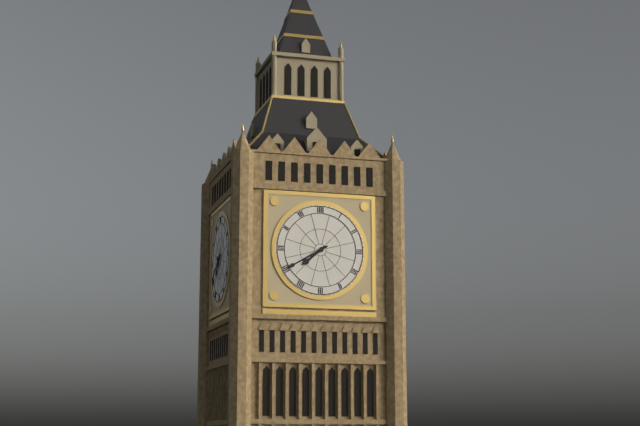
7:40
